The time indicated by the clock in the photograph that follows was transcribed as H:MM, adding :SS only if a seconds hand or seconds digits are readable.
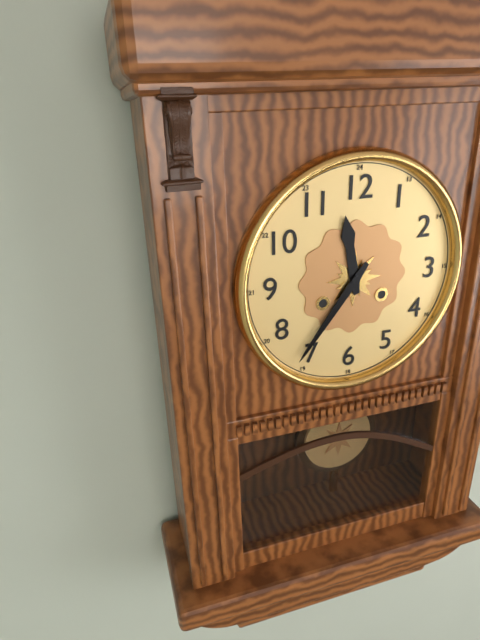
11:36
